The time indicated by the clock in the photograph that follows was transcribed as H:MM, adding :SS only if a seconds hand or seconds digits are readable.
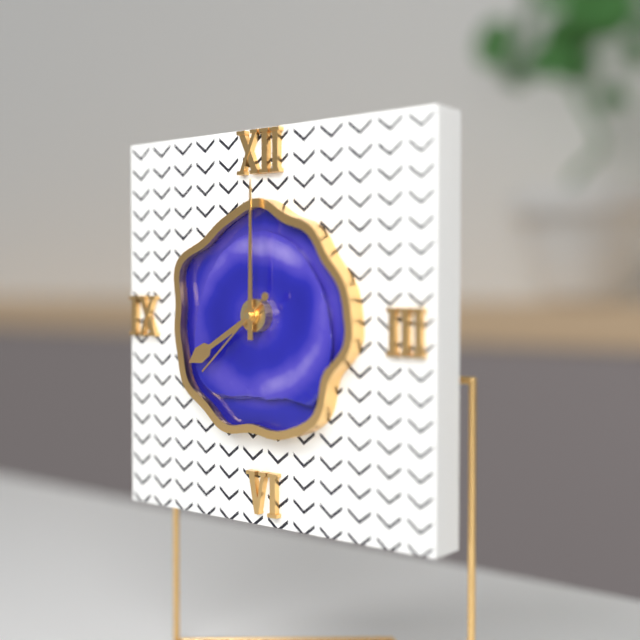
8:00:38
